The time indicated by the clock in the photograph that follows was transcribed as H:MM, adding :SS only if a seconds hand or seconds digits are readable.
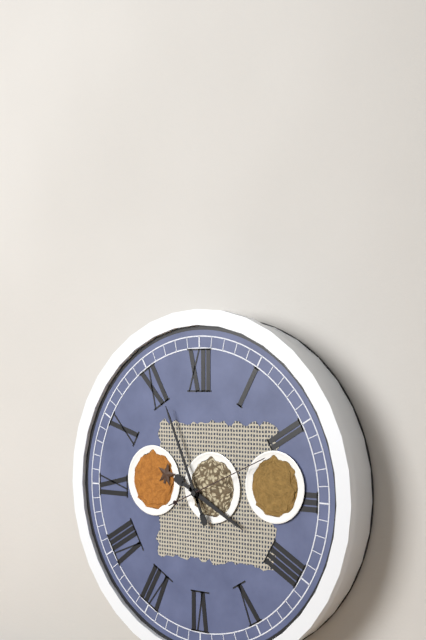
3:56:11
